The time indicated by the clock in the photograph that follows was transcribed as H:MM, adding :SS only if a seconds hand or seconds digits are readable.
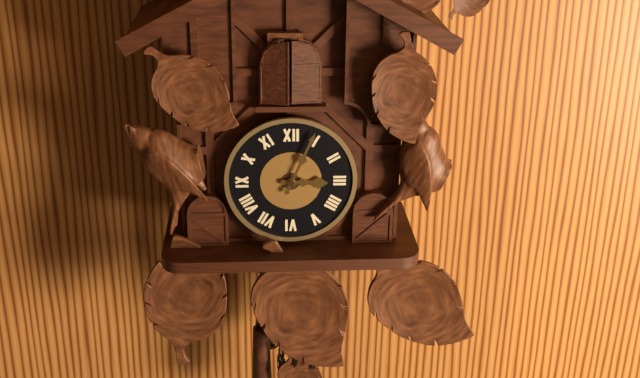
3:04
